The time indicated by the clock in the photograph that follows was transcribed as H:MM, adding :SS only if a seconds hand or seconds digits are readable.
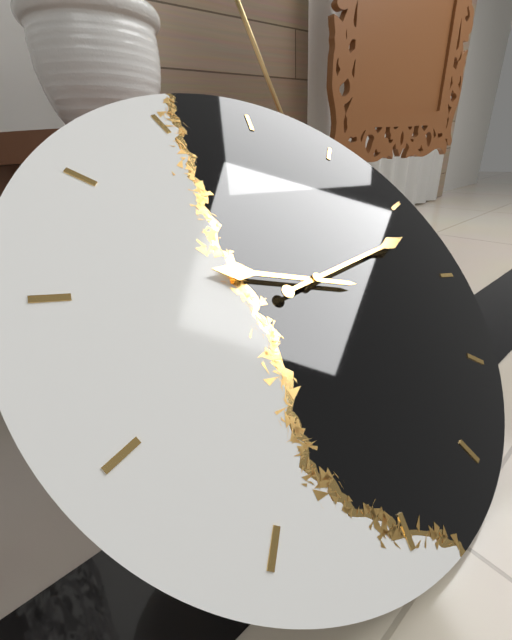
10:17
